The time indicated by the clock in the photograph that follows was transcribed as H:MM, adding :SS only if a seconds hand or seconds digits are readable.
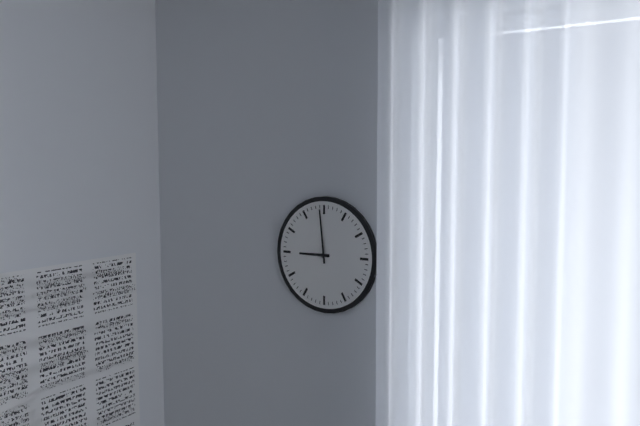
8:59
